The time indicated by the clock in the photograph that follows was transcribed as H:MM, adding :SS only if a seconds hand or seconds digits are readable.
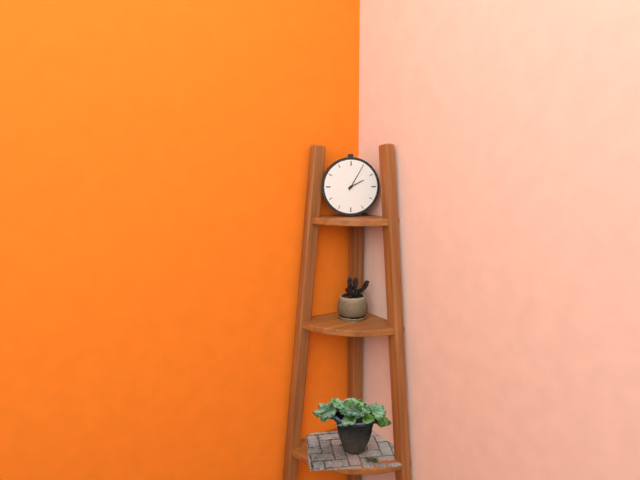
2:05
